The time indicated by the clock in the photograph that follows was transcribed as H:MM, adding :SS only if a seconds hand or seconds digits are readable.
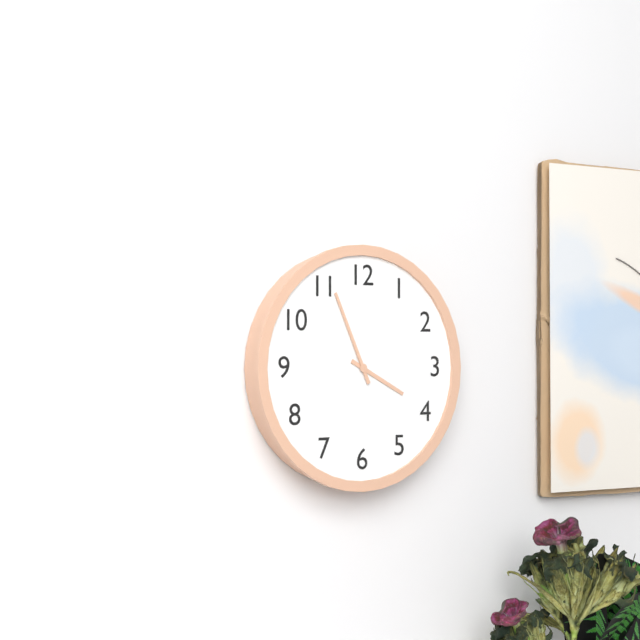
3:56
